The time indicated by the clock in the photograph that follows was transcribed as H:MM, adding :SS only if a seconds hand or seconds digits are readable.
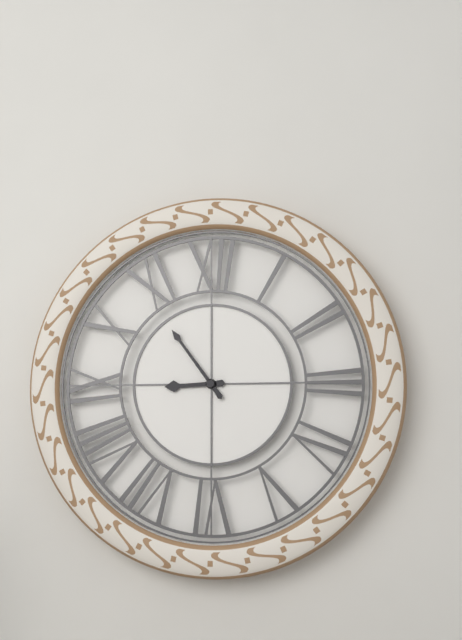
8:54
